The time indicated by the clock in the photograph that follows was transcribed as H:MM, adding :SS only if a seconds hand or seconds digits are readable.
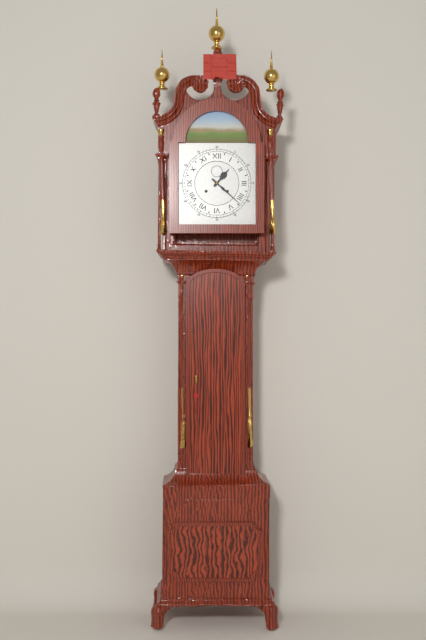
1:22
